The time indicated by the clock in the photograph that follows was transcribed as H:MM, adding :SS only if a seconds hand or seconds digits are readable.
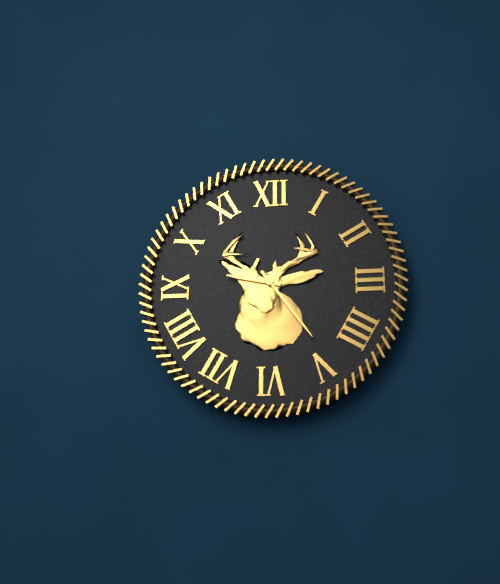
9:24
